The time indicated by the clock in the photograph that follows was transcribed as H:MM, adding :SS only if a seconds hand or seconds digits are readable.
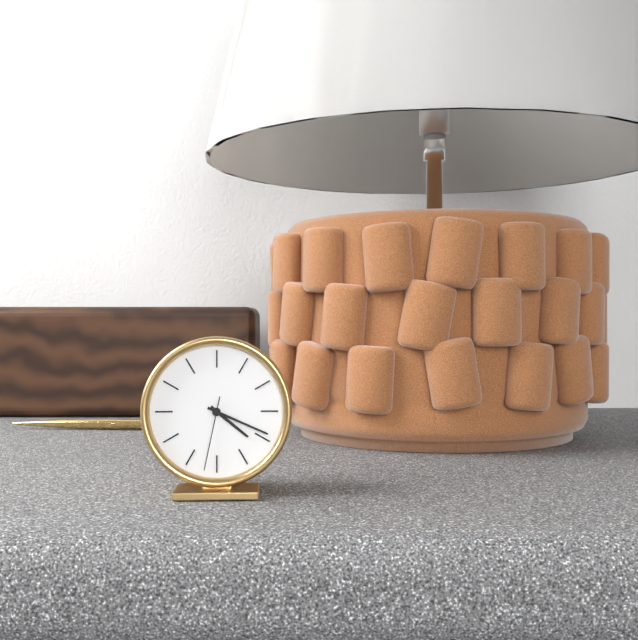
4:19:32
